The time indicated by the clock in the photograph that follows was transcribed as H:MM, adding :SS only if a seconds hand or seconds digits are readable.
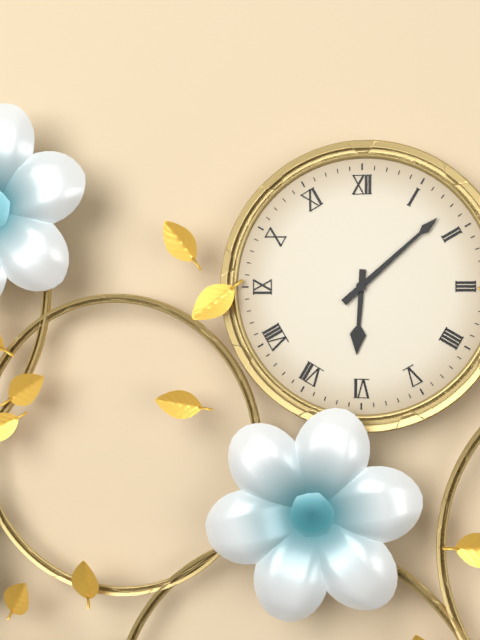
6:08
